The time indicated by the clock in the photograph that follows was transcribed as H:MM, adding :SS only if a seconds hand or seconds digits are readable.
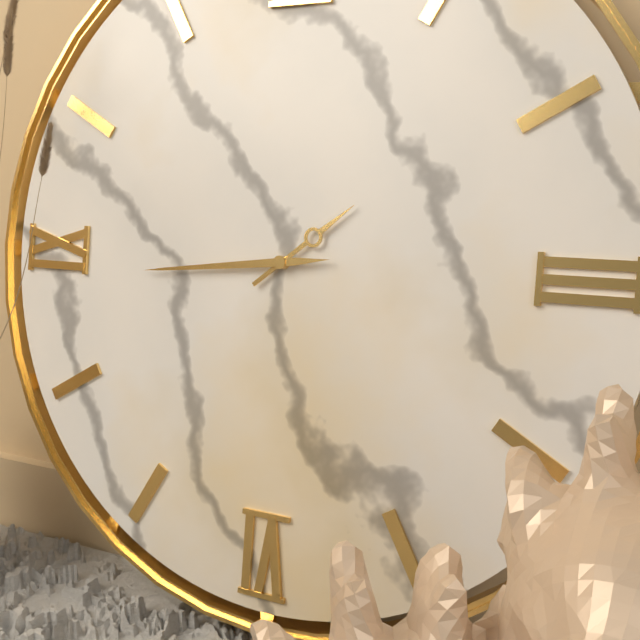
1:44
